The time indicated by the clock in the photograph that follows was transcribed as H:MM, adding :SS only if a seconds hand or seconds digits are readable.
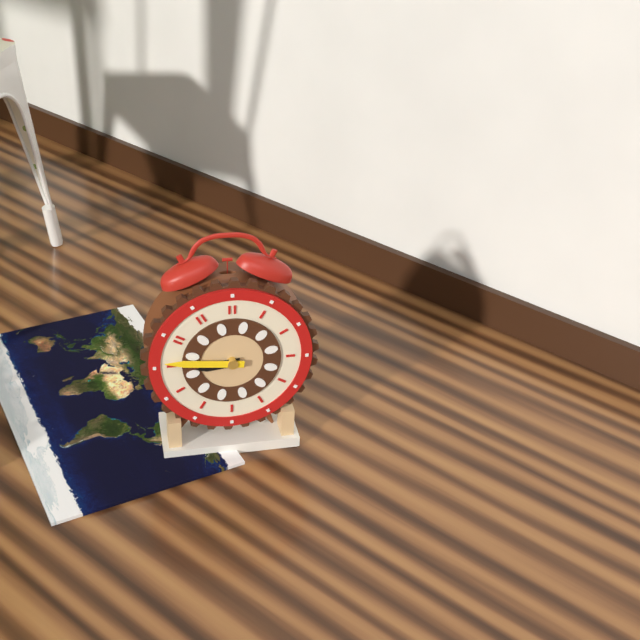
8:46
